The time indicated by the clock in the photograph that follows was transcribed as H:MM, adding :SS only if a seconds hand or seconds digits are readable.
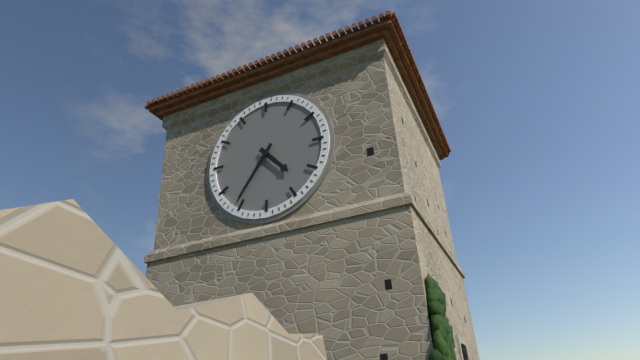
4:36
